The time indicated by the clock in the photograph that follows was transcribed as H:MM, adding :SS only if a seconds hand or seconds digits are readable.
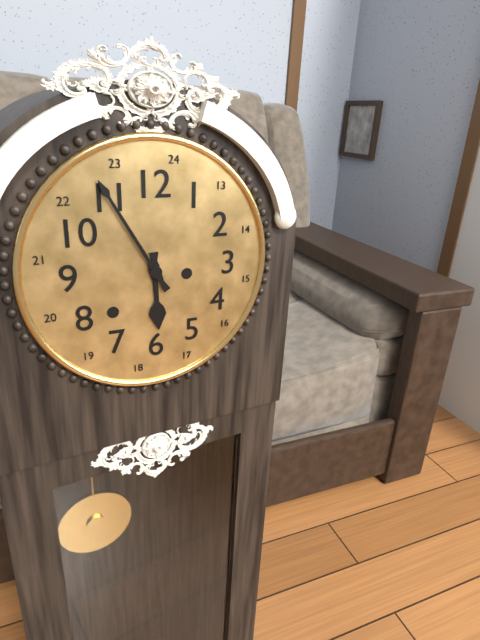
5:55
